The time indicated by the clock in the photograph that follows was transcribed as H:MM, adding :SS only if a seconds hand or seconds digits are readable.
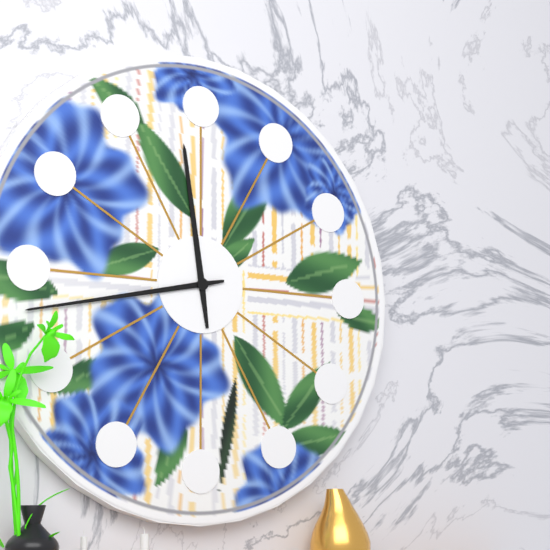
11:43
